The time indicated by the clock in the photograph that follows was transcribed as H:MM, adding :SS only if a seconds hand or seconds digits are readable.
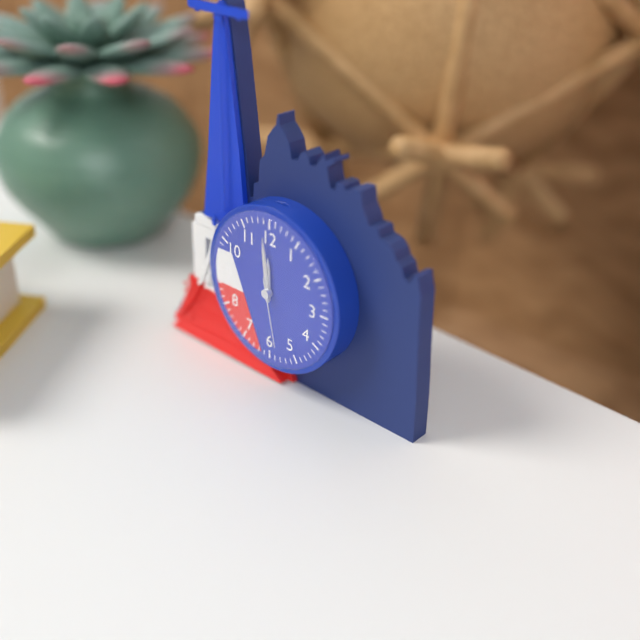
11:59:28
